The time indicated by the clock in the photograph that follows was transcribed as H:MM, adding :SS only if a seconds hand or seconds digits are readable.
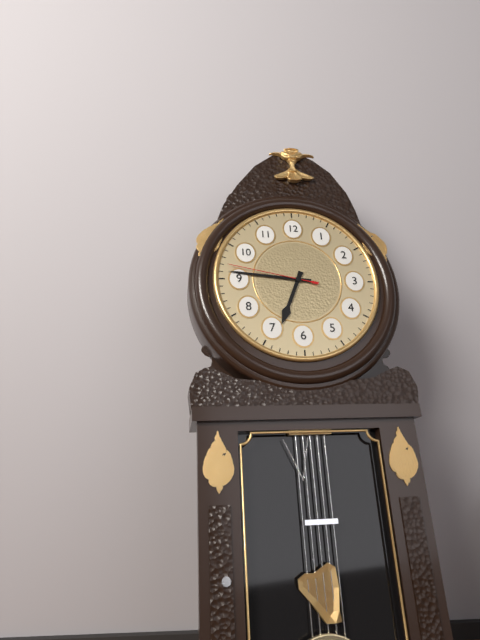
6:46:47
